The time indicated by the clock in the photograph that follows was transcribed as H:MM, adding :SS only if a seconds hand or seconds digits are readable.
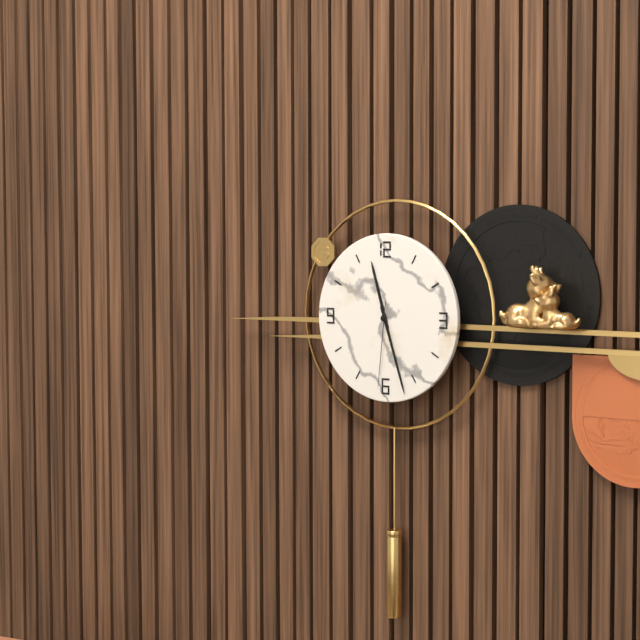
11:27:31
